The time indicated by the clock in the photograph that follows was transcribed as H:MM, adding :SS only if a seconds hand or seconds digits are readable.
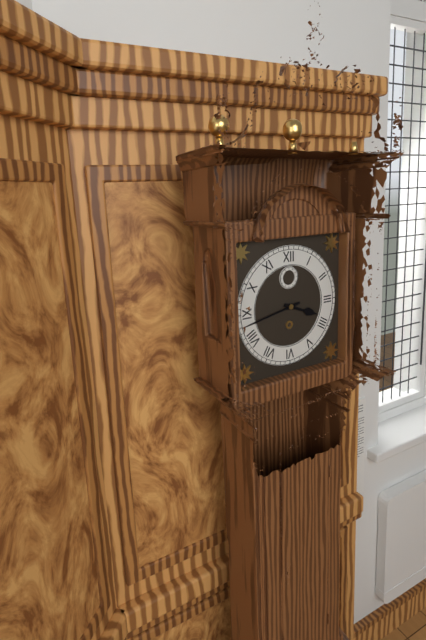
3:43
